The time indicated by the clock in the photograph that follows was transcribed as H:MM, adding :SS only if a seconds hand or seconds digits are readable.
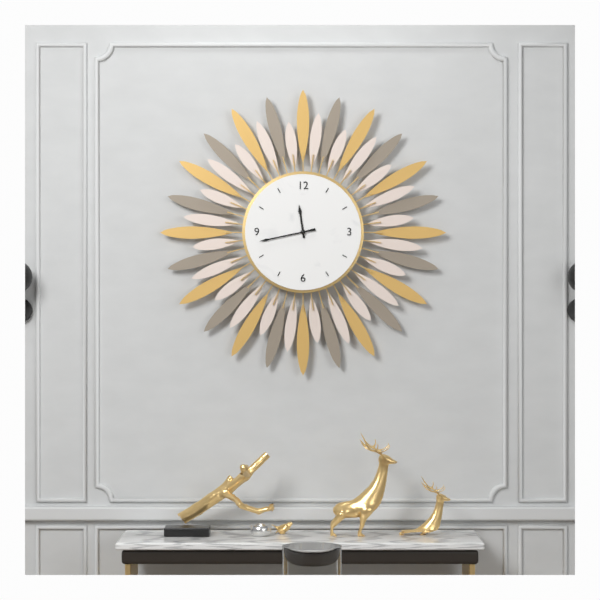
11:43
